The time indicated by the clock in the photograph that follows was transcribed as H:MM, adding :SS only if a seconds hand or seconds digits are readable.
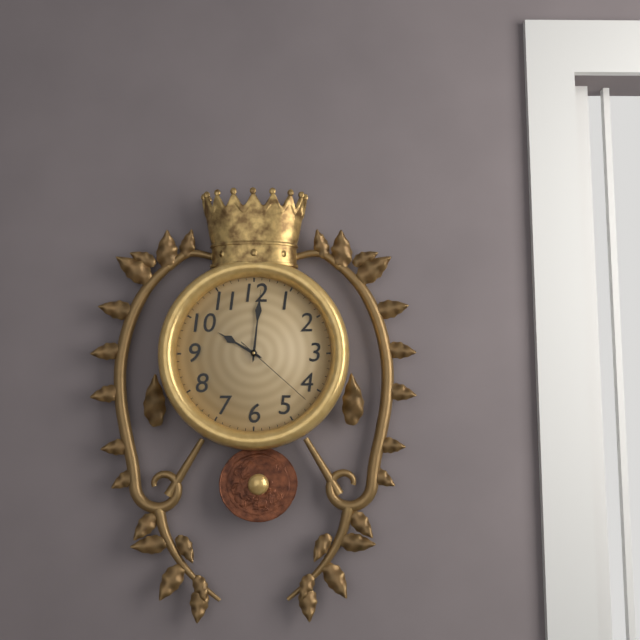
10:01:22
